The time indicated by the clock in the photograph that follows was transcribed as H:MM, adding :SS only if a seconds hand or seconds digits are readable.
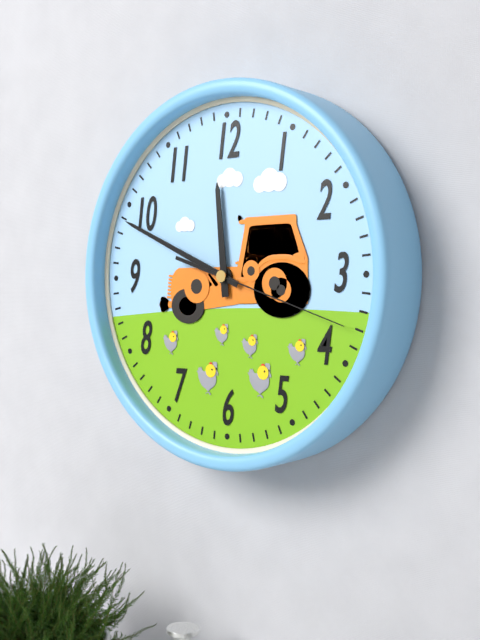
11:49:18
